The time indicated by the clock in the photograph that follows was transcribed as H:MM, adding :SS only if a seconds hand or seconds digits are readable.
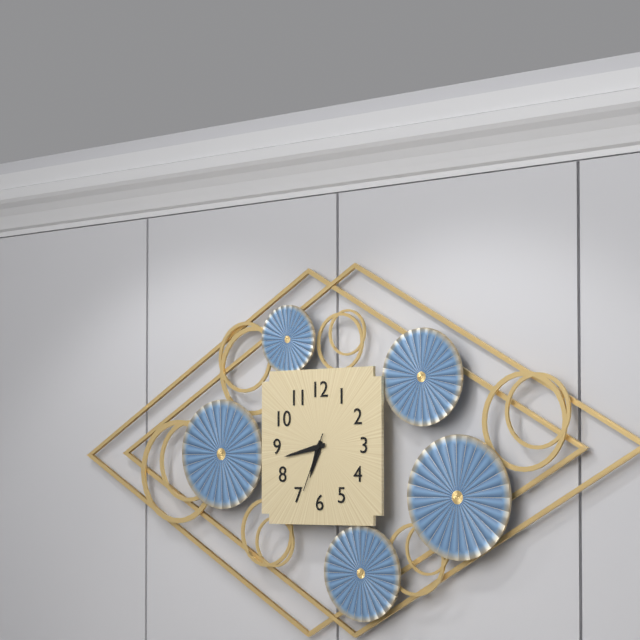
6:43:34
